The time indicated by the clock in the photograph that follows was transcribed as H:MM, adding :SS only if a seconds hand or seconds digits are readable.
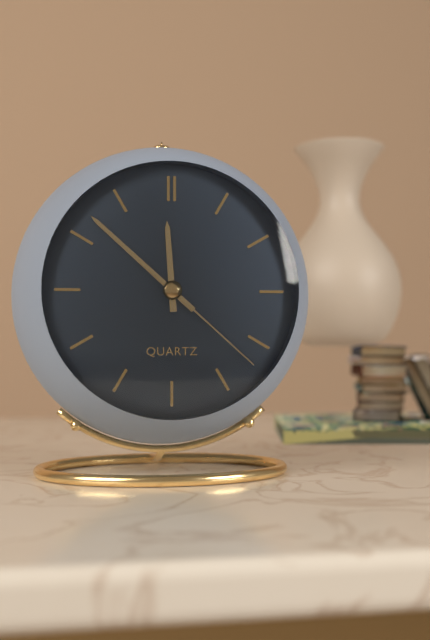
11:52:22
